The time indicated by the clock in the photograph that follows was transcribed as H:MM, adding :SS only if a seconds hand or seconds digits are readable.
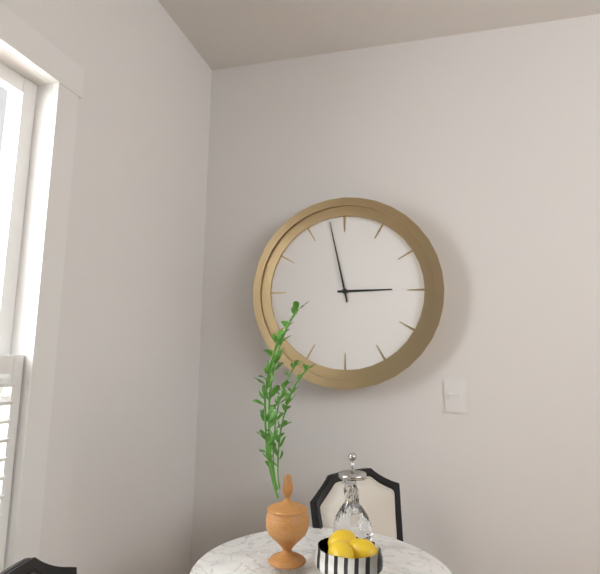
2:58
